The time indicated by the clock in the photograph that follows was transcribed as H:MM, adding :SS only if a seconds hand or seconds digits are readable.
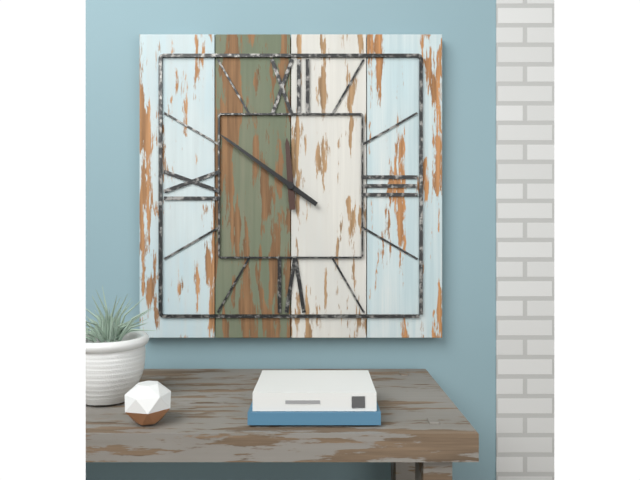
11:51
